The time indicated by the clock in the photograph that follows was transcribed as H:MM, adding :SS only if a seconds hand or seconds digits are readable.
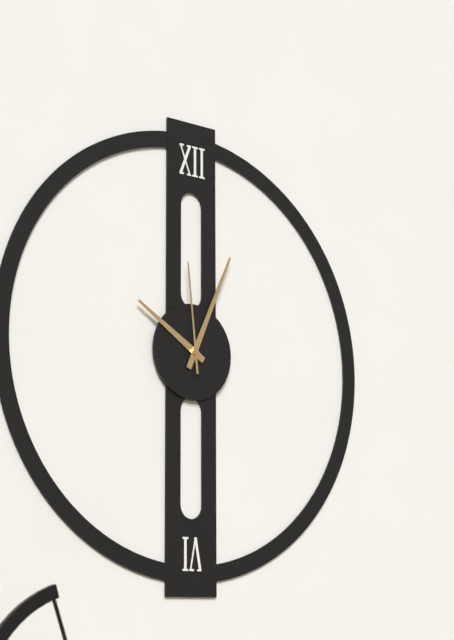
10:04:59
